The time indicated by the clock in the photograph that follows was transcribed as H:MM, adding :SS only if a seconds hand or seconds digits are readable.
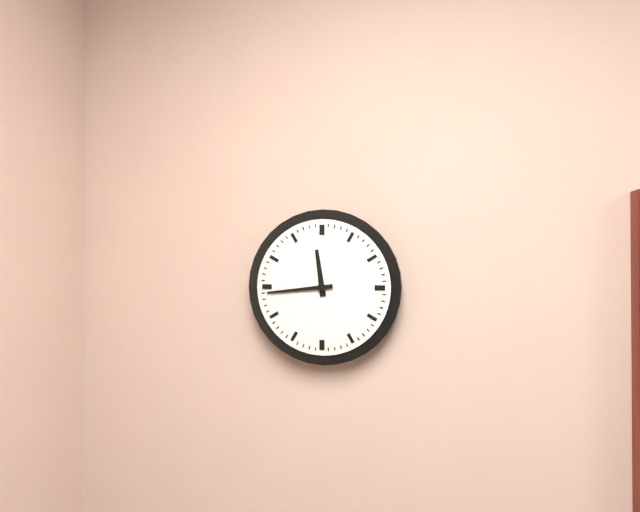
11:44
